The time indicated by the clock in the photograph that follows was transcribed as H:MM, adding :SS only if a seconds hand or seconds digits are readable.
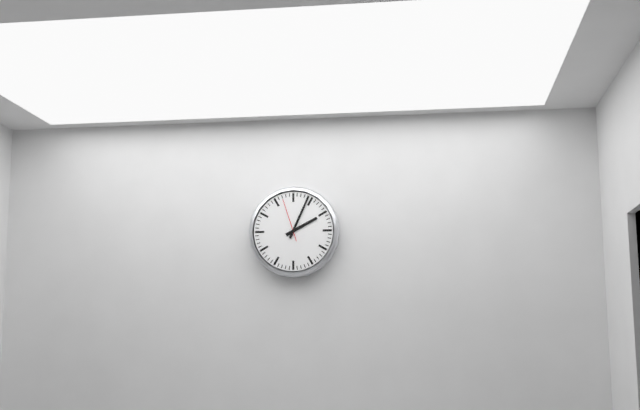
2:04
